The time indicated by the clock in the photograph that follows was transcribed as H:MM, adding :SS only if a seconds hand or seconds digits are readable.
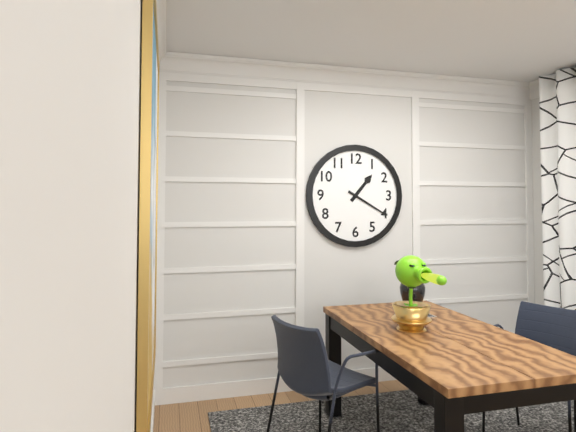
1:20
